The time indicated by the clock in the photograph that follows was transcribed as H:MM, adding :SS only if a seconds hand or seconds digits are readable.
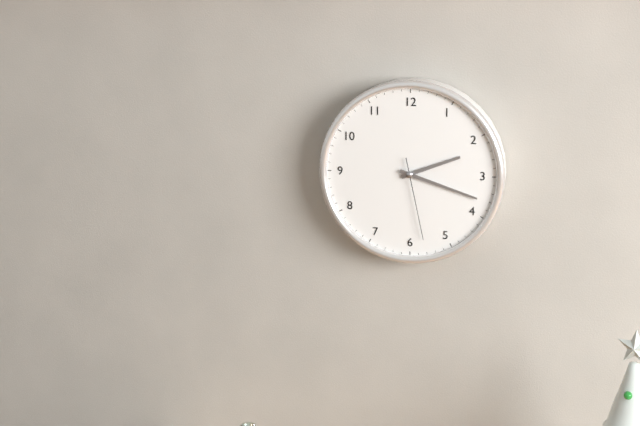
2:18:28
